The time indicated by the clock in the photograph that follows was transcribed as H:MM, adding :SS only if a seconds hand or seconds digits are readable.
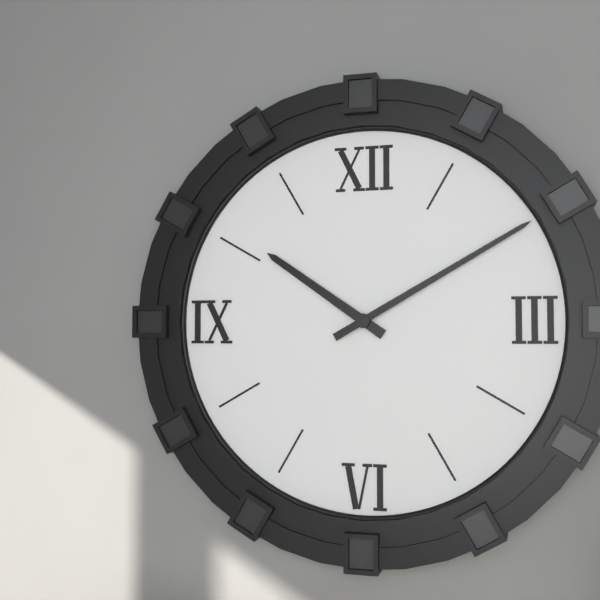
10:10
